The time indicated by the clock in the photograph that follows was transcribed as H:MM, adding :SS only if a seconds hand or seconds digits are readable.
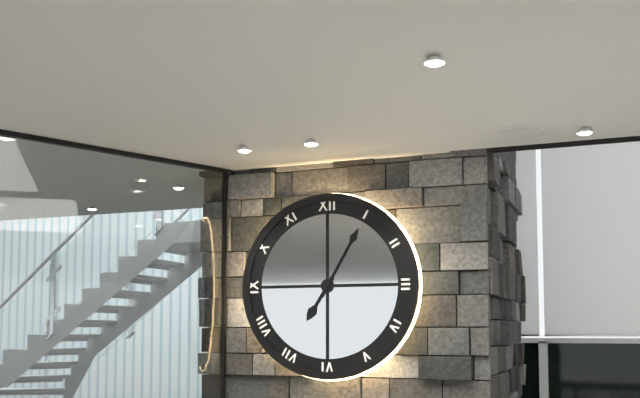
7:05
